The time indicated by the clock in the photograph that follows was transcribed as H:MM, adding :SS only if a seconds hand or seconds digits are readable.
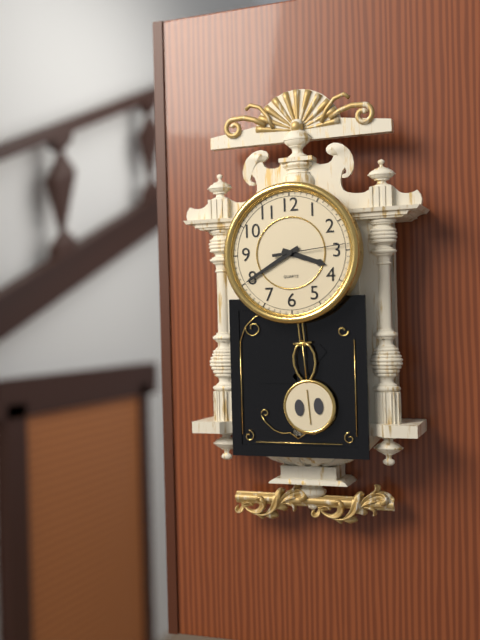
3:40:14
